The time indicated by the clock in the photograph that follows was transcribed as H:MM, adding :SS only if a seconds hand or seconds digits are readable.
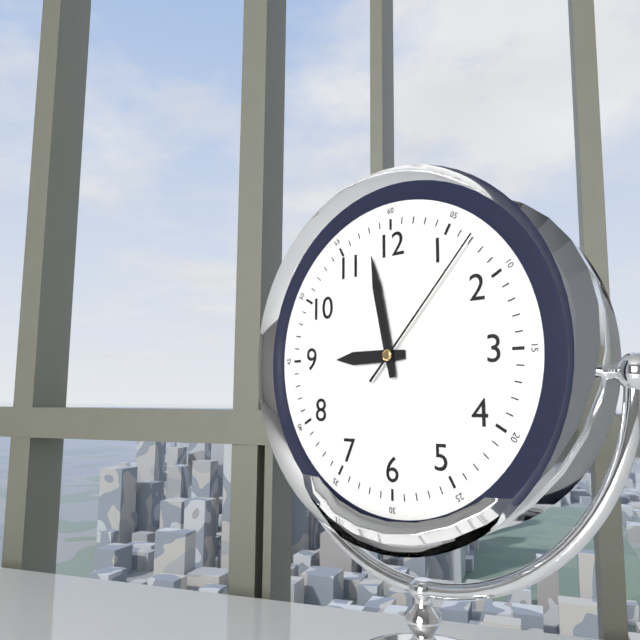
8:58:07
